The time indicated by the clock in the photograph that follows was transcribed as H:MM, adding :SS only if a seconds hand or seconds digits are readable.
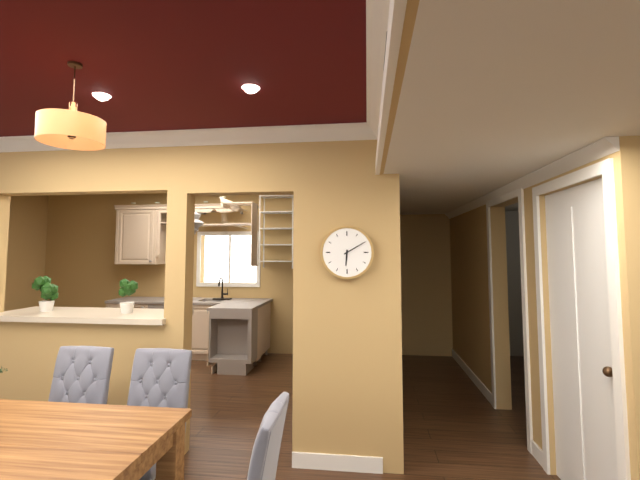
6:10
